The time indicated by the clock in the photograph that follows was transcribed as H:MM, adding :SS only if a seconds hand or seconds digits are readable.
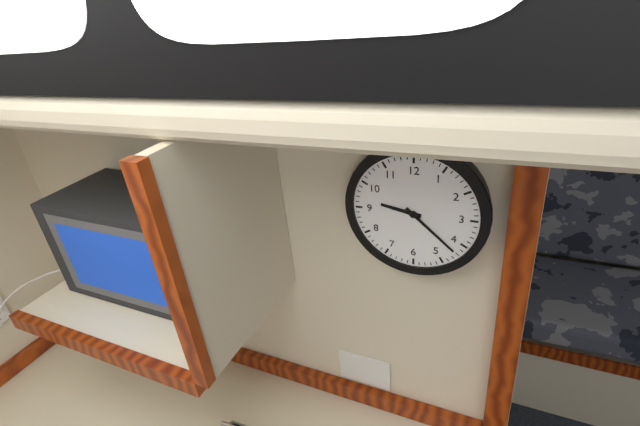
9:22
